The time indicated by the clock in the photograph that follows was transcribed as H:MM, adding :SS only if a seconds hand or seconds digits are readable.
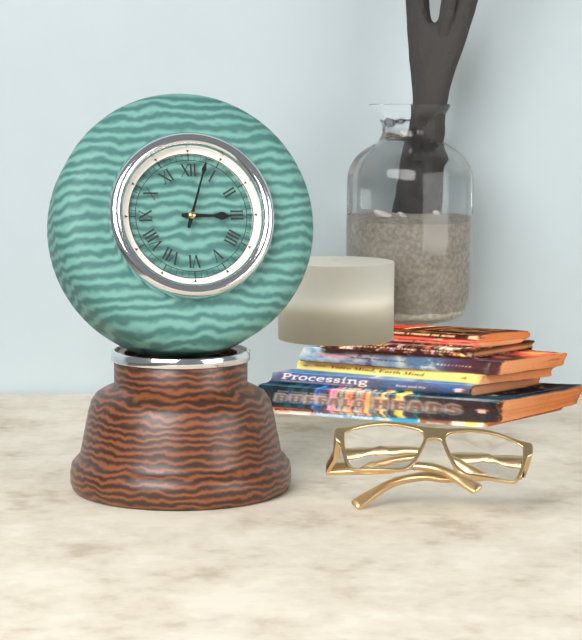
3:03
